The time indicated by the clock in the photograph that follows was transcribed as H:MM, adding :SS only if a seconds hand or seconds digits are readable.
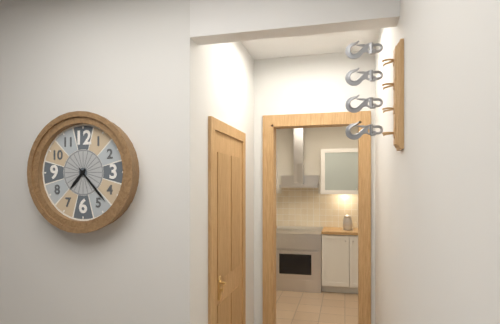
7:23
